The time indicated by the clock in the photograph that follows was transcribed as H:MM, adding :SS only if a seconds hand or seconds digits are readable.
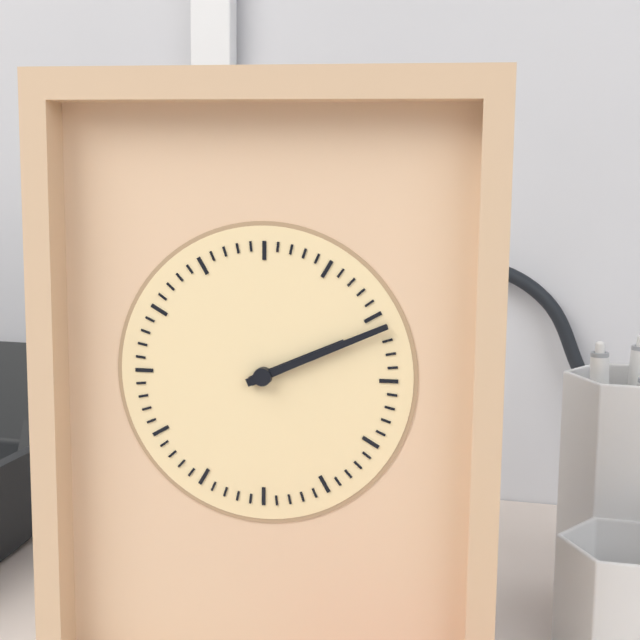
2:11
